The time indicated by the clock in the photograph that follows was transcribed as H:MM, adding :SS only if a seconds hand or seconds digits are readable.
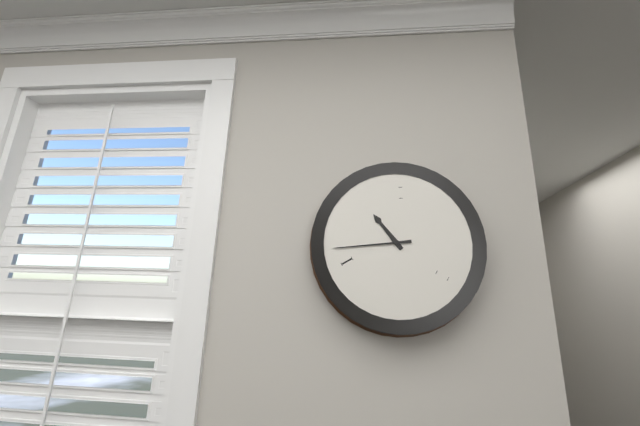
10:44
